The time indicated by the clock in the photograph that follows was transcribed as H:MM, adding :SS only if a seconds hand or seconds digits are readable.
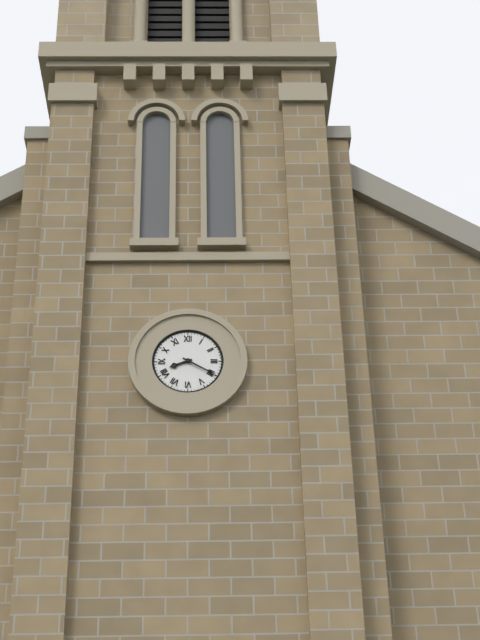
8:20
